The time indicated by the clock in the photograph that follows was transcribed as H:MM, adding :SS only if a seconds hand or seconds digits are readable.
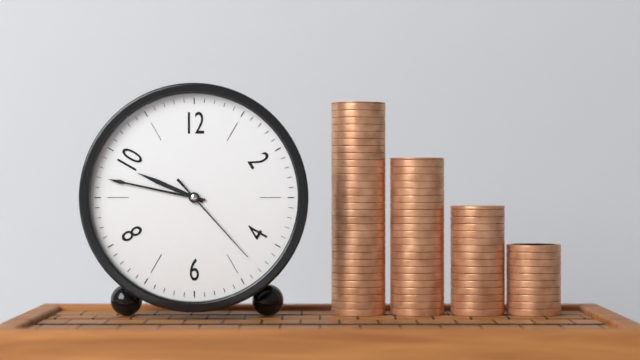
9:47:23
